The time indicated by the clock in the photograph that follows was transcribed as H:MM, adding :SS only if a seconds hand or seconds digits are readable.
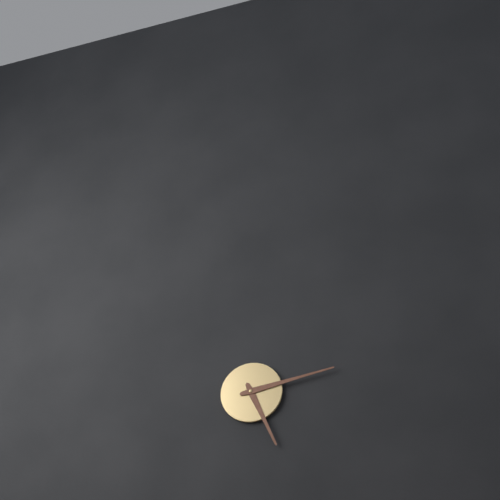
5:13
